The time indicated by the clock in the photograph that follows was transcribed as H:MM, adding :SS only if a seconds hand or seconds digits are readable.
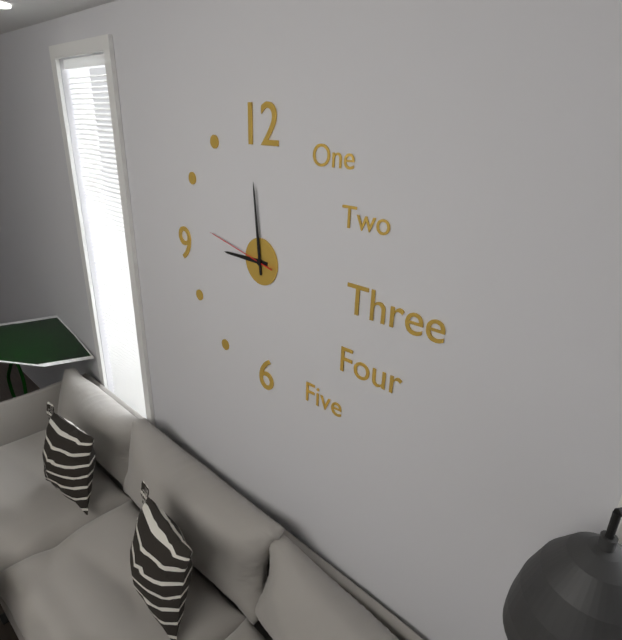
8:59:47
